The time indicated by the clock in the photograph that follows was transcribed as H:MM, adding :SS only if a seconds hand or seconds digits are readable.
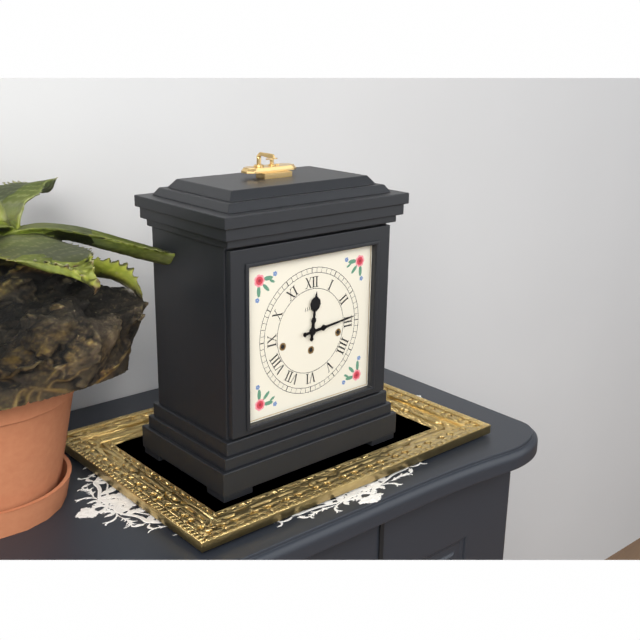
12:14
